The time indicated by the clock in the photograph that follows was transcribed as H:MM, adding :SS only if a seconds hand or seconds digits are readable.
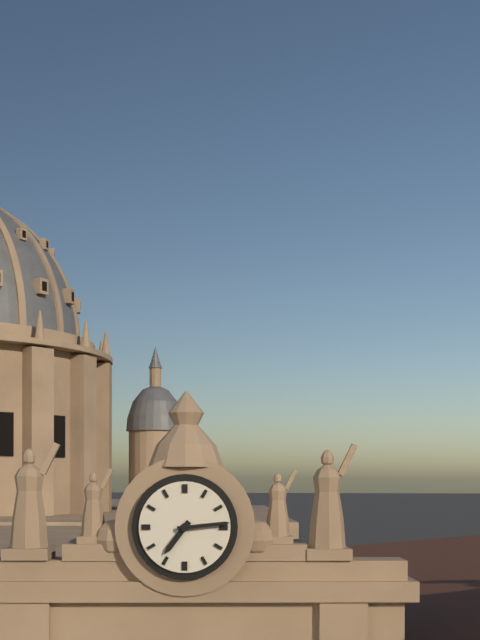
7:14
